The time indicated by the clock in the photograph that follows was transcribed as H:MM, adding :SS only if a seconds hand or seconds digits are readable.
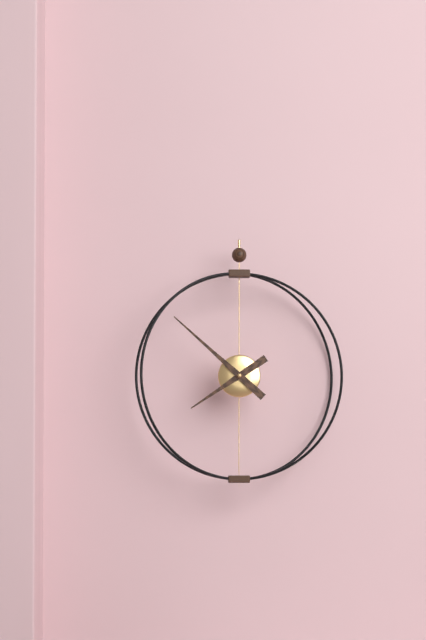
7:52
